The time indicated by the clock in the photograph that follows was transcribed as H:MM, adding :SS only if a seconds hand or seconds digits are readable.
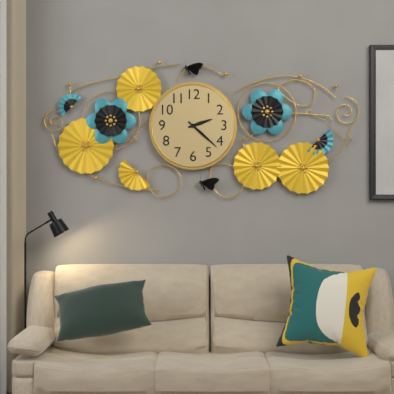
2:22
